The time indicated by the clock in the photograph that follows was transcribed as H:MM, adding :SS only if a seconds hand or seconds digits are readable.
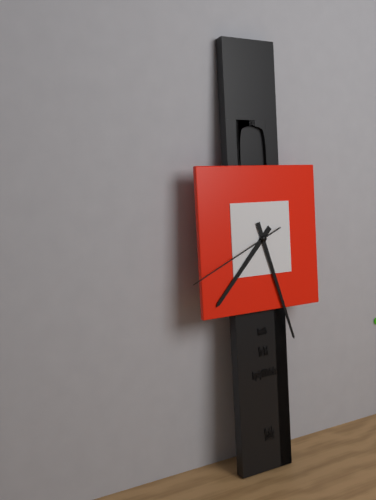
7:27:41
